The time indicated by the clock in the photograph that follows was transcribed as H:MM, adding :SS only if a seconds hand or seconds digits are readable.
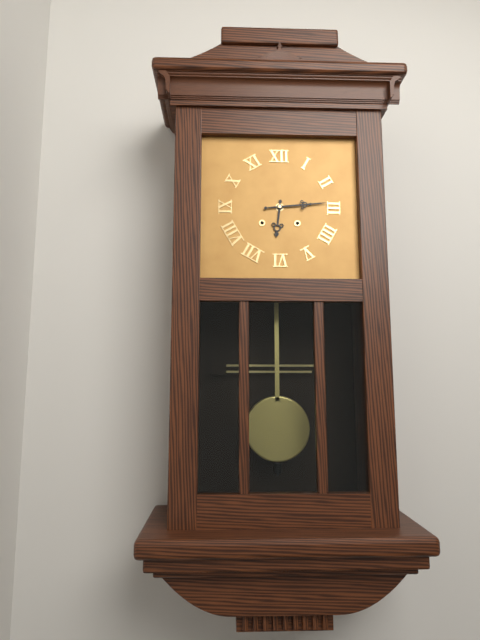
6:14
